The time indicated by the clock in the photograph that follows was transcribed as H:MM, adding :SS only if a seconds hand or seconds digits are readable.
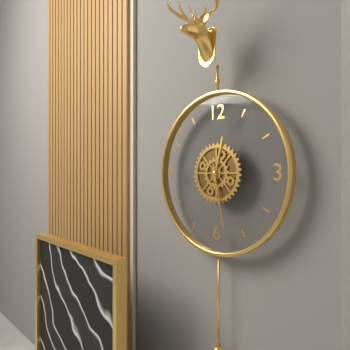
12:28
